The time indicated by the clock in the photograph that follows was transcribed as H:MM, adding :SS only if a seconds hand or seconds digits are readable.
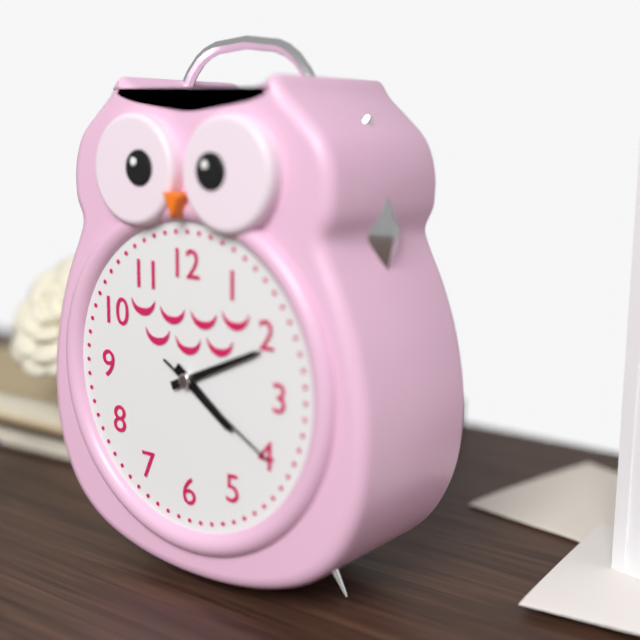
4:11:20
